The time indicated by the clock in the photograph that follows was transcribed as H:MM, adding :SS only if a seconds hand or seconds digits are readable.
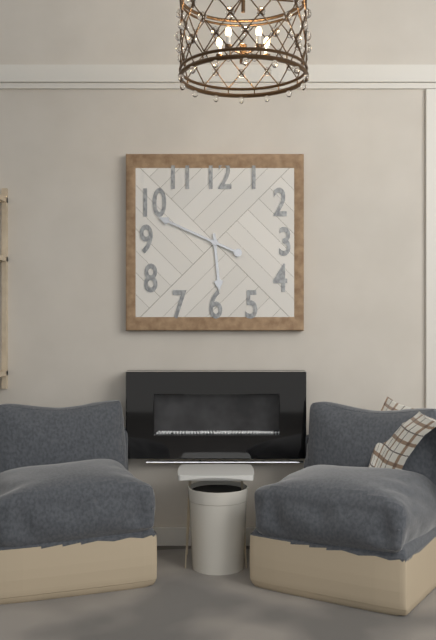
5:49
